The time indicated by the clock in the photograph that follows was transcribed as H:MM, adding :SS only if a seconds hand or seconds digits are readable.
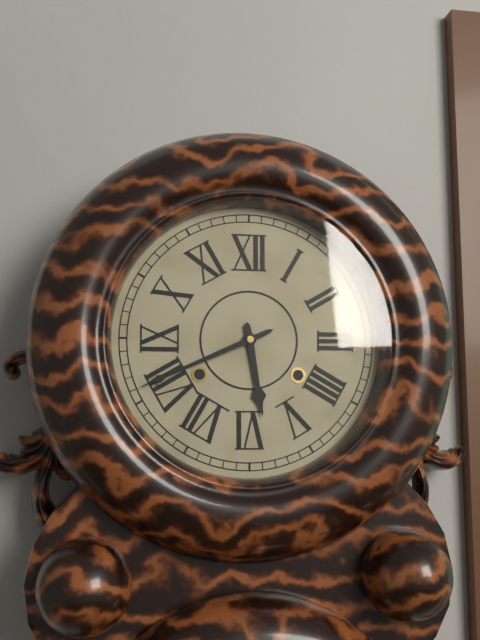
5:41
